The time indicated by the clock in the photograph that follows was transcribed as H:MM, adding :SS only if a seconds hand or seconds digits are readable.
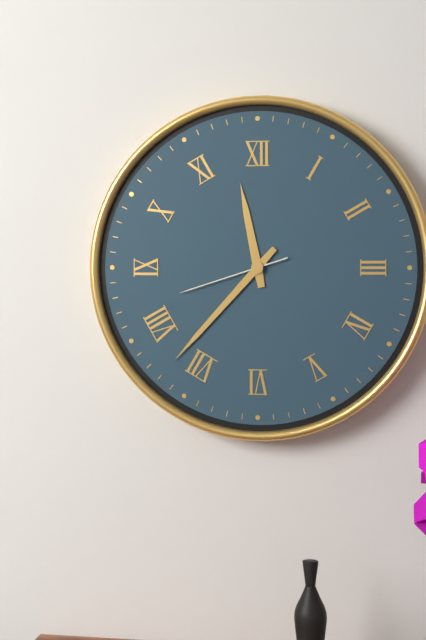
11:37:42
